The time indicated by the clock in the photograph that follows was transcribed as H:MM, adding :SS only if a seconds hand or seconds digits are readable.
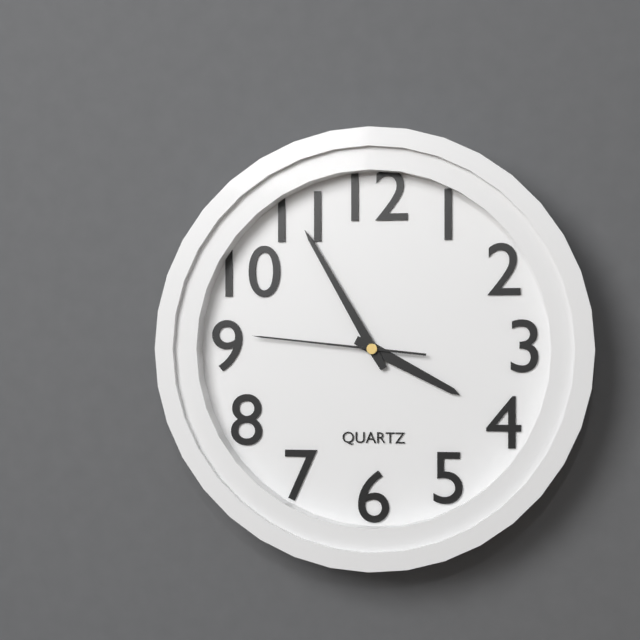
3:55:46
